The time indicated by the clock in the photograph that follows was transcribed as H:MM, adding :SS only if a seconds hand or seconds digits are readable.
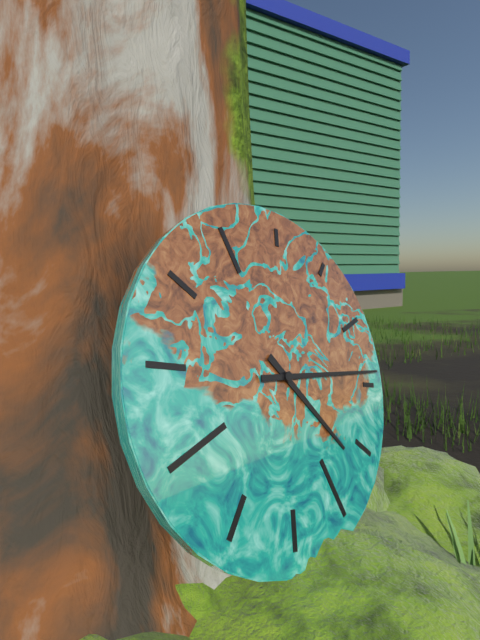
5:19
